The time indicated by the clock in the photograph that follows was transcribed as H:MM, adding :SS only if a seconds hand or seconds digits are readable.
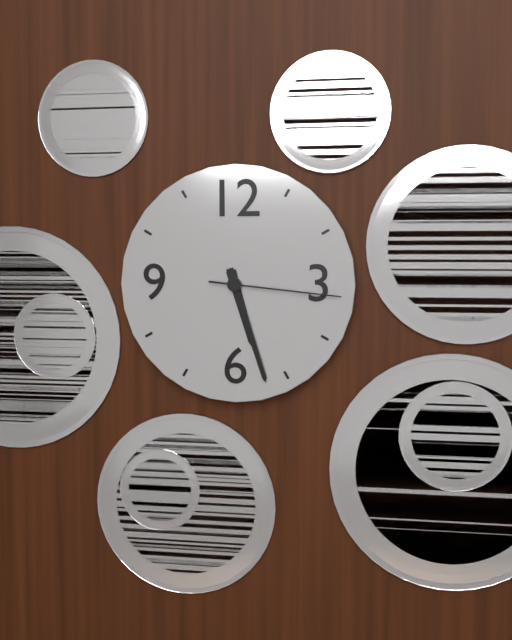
5:27:16
